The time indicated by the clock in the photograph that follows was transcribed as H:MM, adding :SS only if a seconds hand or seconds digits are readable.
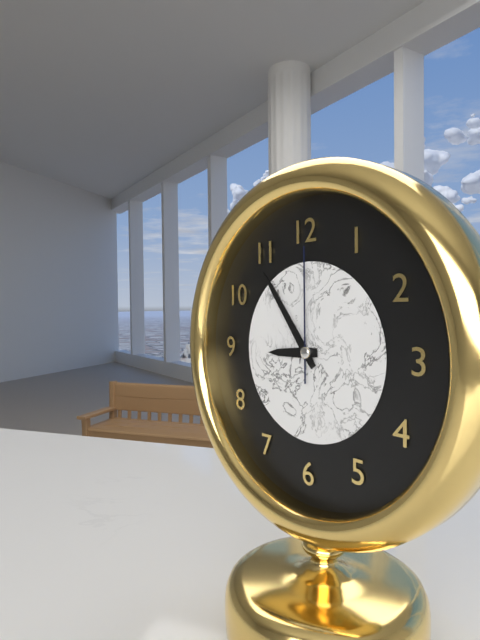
8:54:00
